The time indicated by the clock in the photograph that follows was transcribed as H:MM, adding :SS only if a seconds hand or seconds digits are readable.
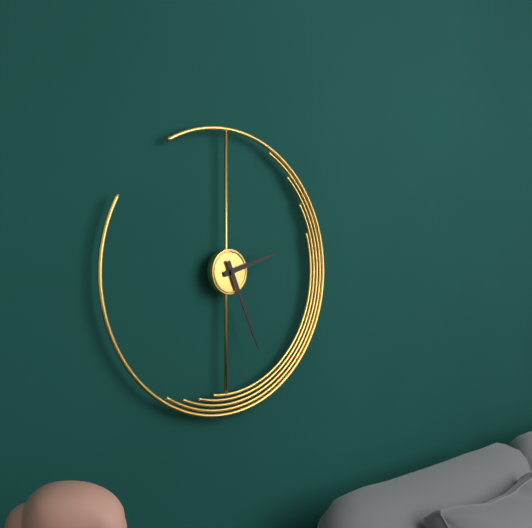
2:26
